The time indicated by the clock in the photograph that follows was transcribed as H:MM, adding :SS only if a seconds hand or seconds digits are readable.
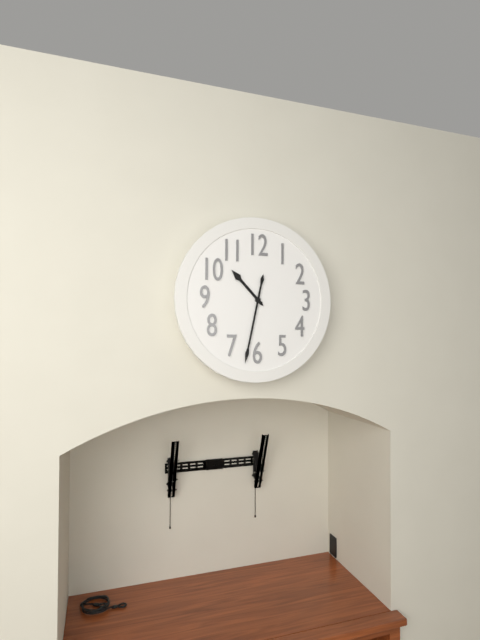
10:32
